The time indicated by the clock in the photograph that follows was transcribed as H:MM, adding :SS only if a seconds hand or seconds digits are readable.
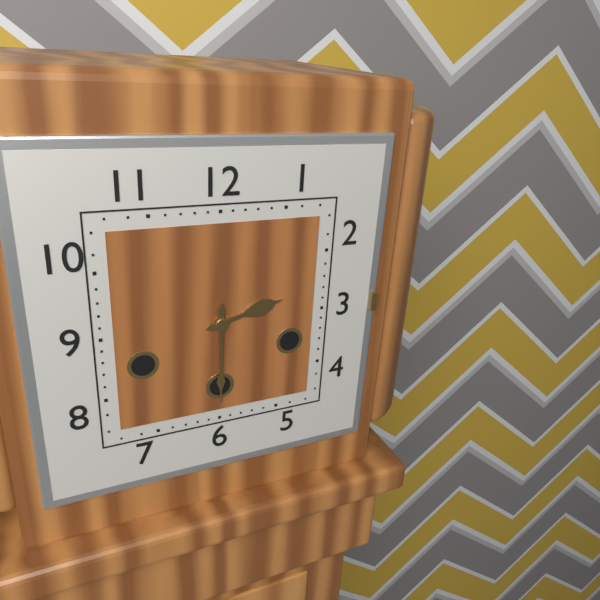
2:30
